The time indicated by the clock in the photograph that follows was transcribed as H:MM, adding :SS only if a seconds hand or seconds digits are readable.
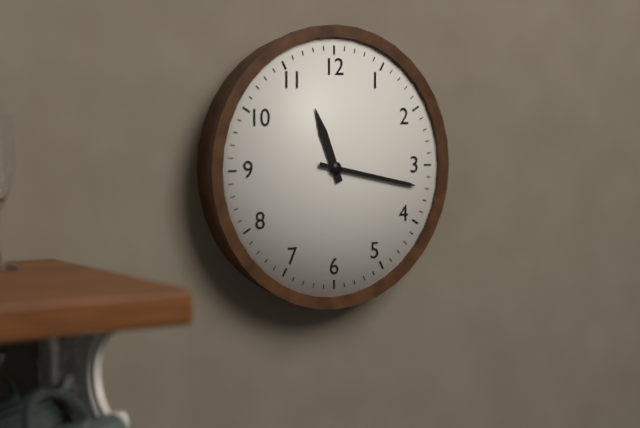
11:17
